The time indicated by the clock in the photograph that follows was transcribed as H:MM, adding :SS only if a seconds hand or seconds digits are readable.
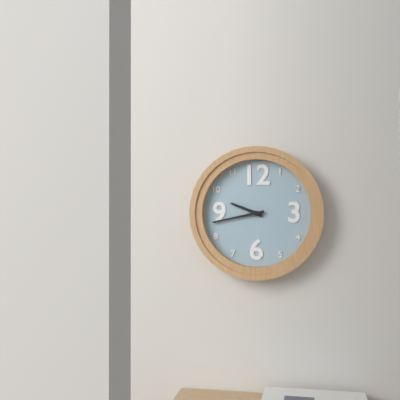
9:43
